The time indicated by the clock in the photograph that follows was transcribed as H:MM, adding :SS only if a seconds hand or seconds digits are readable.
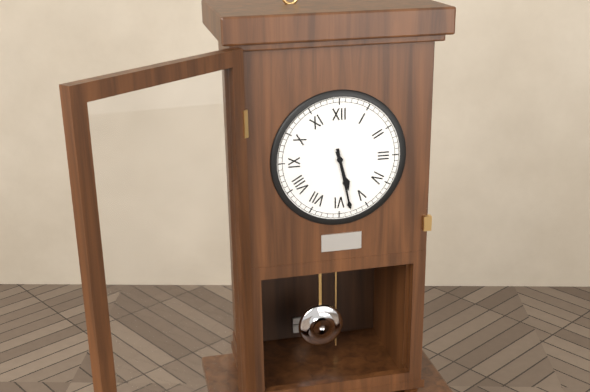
5:28
